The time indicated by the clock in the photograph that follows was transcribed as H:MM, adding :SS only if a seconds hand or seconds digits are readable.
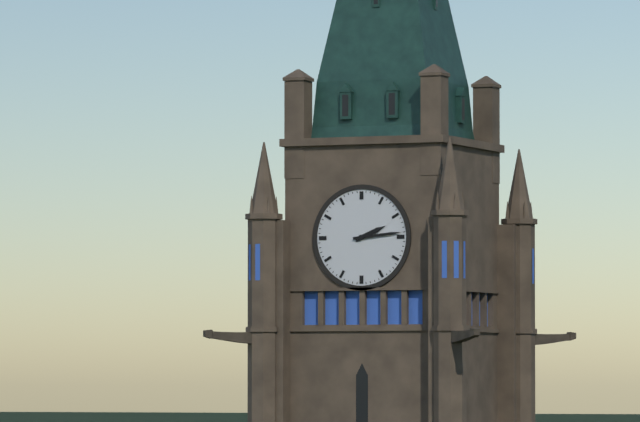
2:14
